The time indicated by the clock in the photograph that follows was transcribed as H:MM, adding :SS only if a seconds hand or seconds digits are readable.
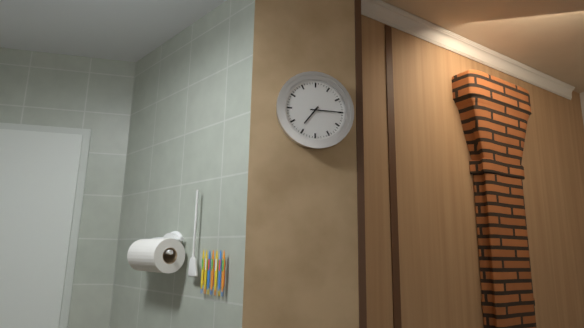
7:15
